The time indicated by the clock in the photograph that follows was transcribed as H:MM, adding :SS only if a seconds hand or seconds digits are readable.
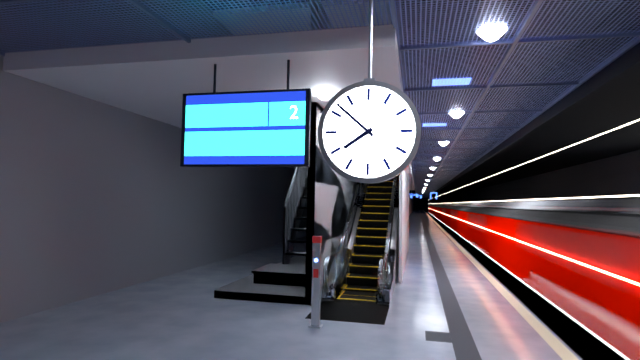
7:52
